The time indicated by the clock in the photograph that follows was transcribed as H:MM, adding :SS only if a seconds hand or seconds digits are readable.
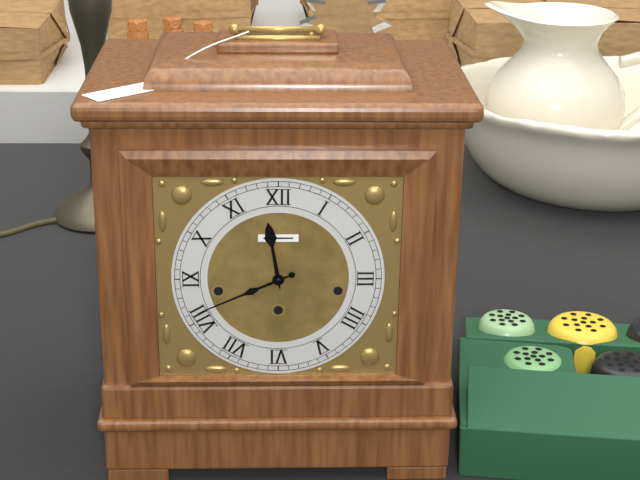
11:41
